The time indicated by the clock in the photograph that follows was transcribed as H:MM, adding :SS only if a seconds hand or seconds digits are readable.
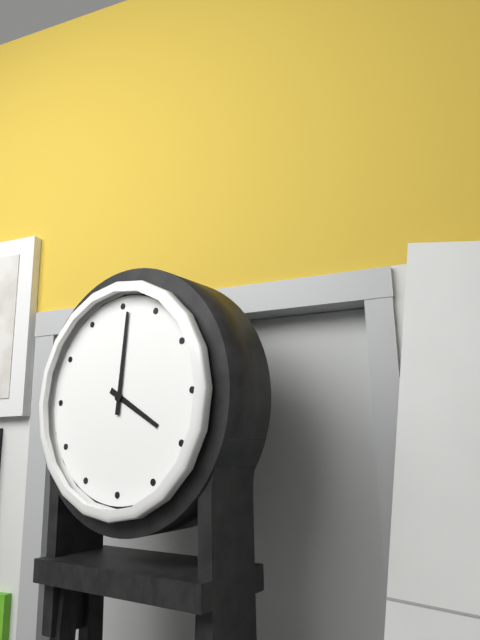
4:01
